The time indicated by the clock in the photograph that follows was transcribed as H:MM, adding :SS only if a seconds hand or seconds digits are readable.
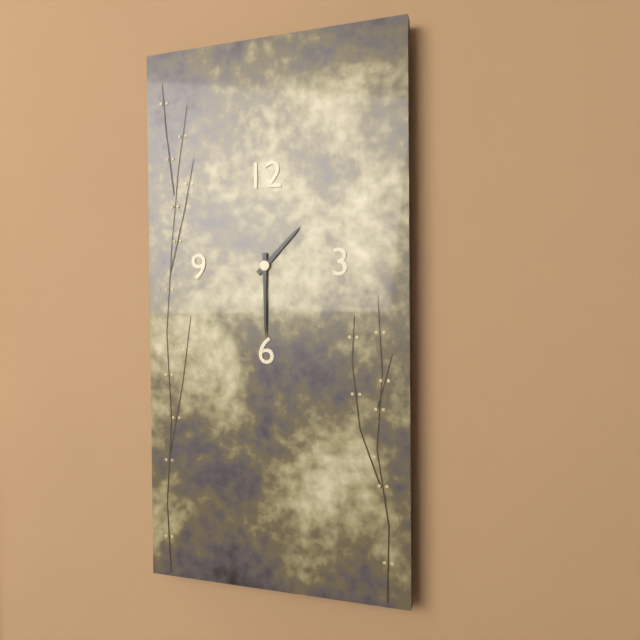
1:30
